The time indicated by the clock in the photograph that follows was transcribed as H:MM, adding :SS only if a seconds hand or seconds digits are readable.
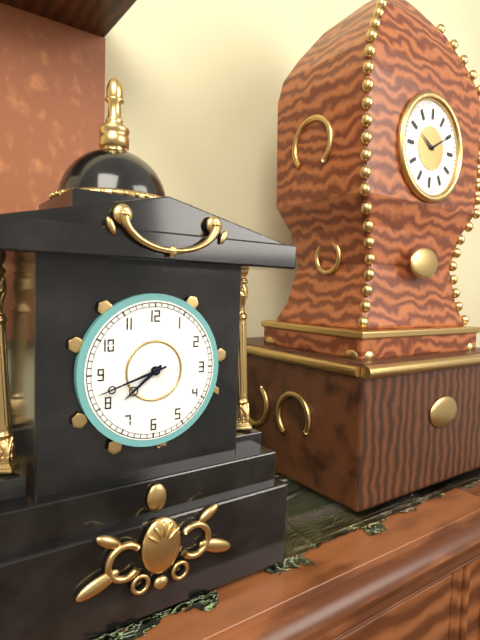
7:42
